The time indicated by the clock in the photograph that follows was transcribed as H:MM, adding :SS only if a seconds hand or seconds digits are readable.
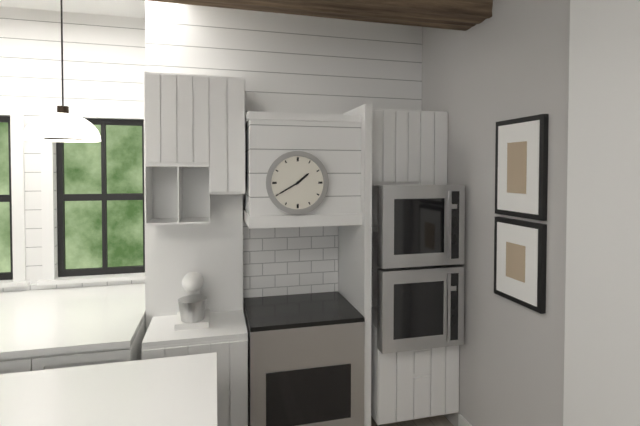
1:40
